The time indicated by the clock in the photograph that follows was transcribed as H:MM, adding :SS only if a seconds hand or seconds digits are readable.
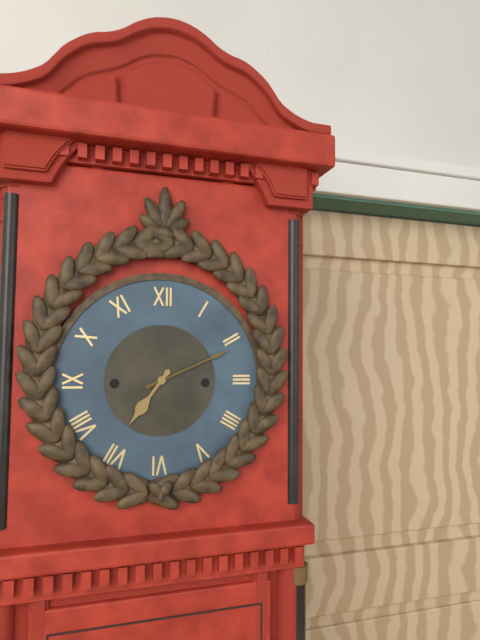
7:11
